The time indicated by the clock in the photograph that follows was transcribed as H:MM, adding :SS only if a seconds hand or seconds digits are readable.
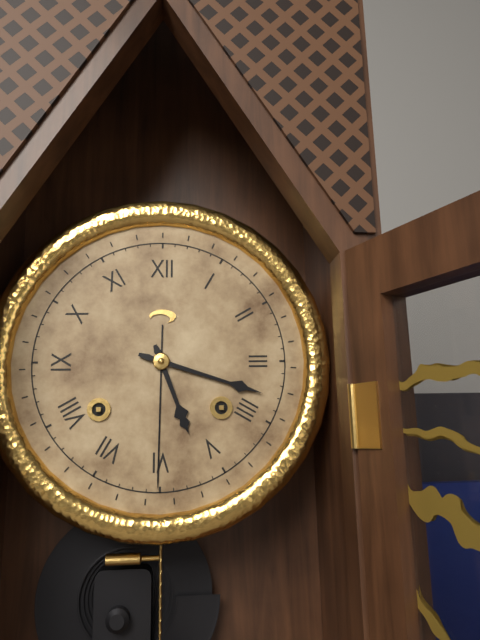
5:18
